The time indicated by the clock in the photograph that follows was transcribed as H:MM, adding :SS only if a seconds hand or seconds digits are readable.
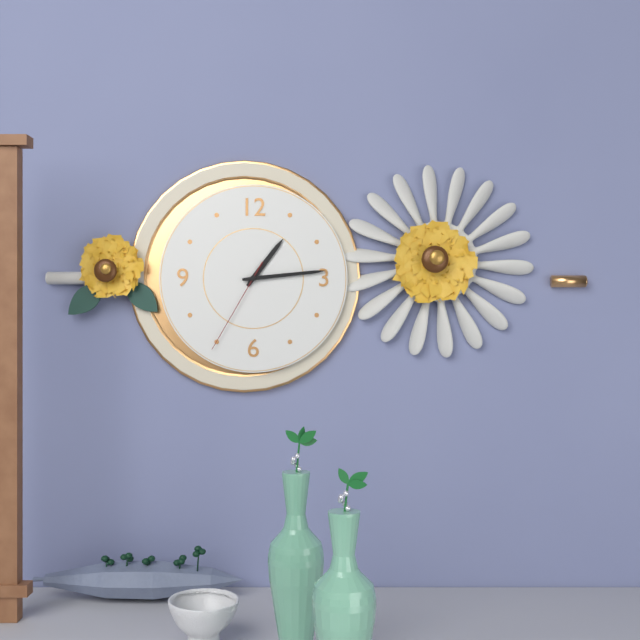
1:14:35
